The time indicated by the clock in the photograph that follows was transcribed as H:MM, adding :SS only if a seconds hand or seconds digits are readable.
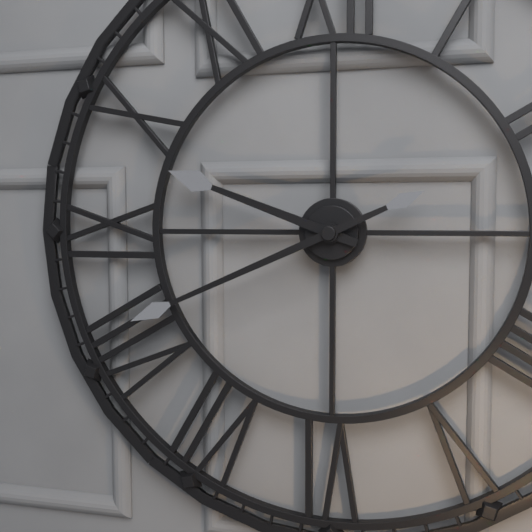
9:41
